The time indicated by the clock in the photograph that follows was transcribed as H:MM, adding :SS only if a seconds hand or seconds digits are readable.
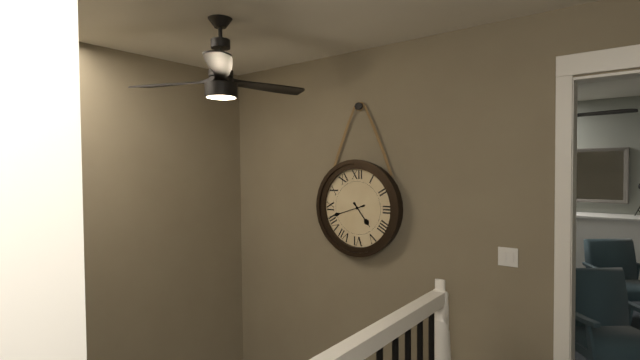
4:42
